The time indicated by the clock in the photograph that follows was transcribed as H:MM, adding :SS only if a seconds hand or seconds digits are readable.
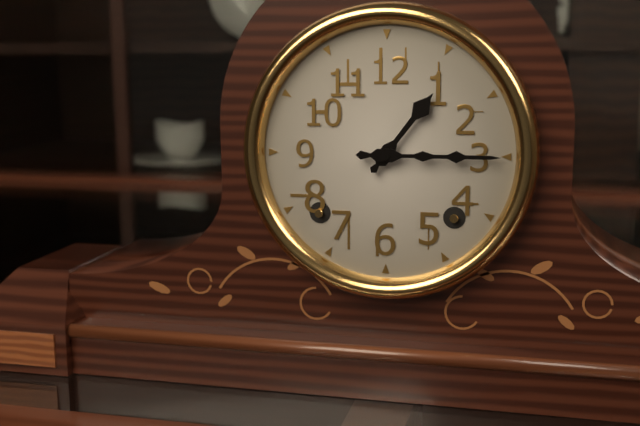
1:15
